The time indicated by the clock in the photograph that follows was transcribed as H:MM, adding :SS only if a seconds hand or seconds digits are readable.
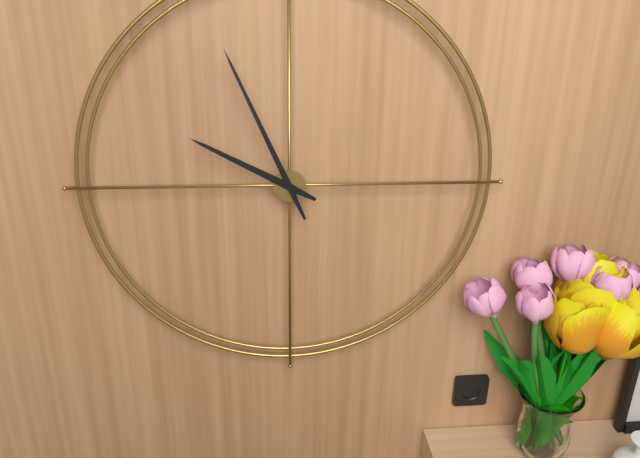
9:56
